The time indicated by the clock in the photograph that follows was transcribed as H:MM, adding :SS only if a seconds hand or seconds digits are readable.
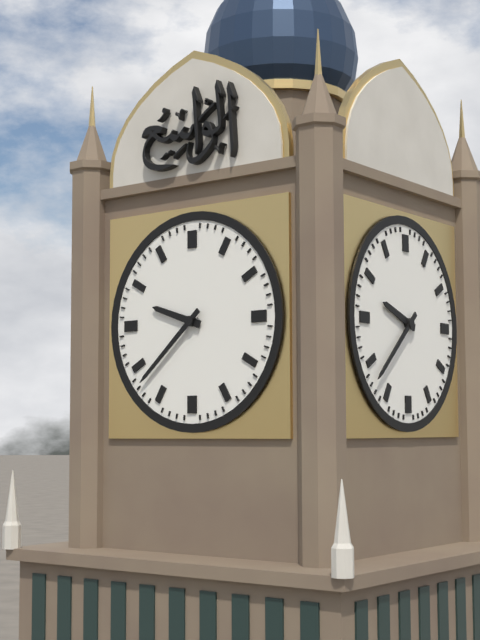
9:38
